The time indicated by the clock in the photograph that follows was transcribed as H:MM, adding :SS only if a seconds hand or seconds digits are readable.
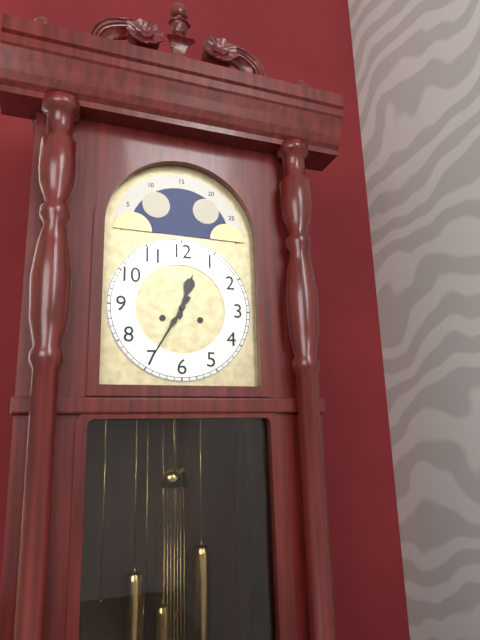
12:35
